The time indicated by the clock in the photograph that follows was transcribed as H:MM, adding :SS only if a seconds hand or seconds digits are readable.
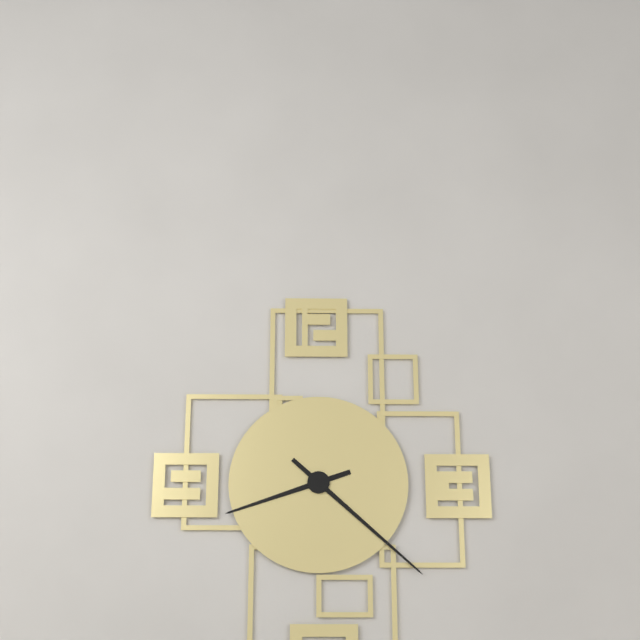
8:22
